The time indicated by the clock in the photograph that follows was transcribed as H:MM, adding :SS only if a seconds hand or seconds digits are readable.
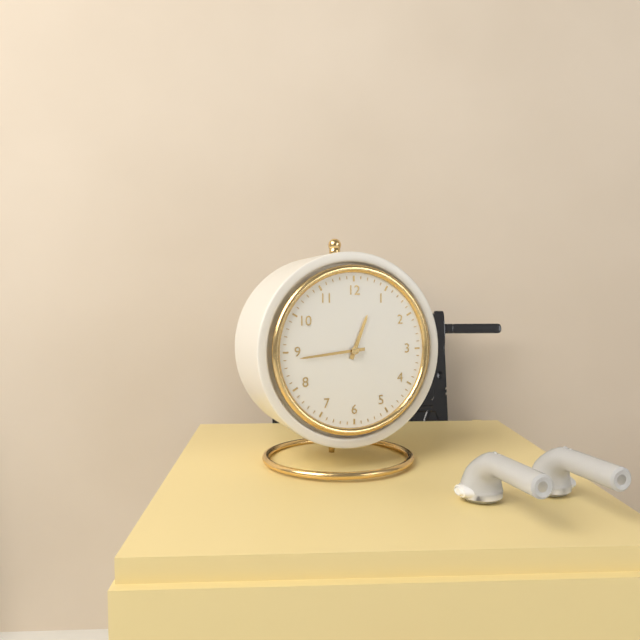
12:44
